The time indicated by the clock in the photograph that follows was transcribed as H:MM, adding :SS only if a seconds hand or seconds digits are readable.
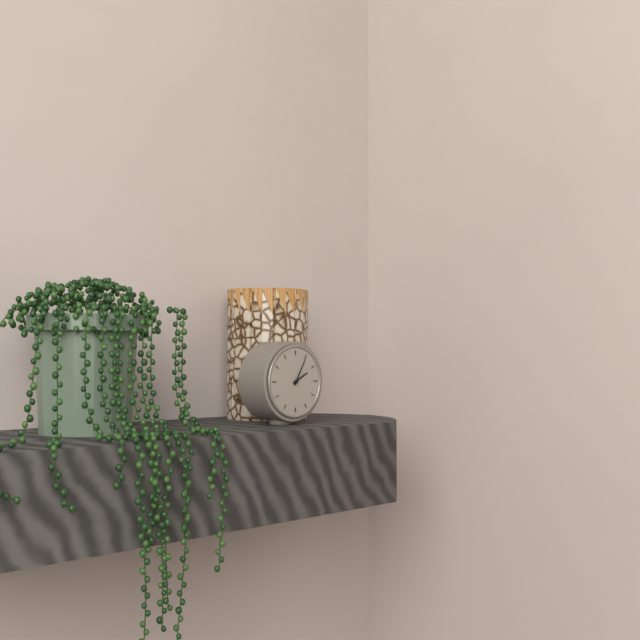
2:05
